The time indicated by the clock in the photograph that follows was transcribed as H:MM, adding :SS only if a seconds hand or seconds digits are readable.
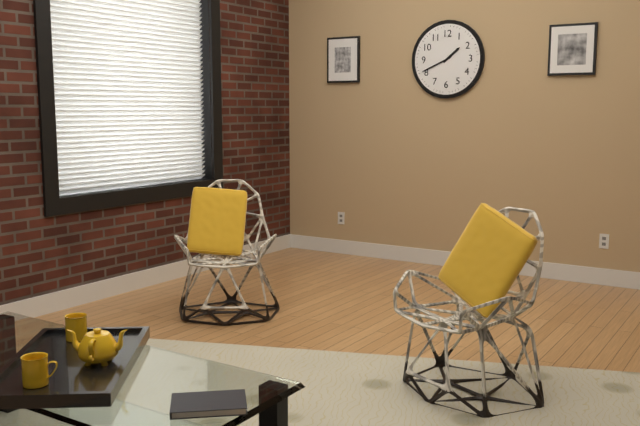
1:41
